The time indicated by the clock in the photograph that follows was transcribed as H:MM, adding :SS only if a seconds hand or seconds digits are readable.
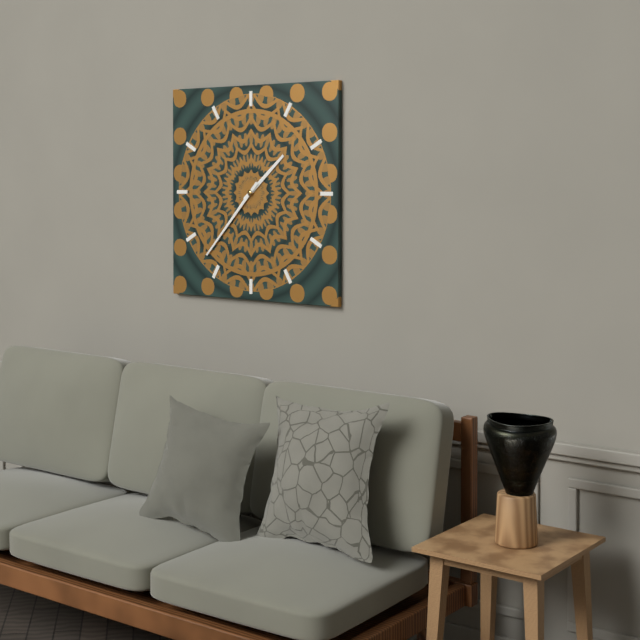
1:37
